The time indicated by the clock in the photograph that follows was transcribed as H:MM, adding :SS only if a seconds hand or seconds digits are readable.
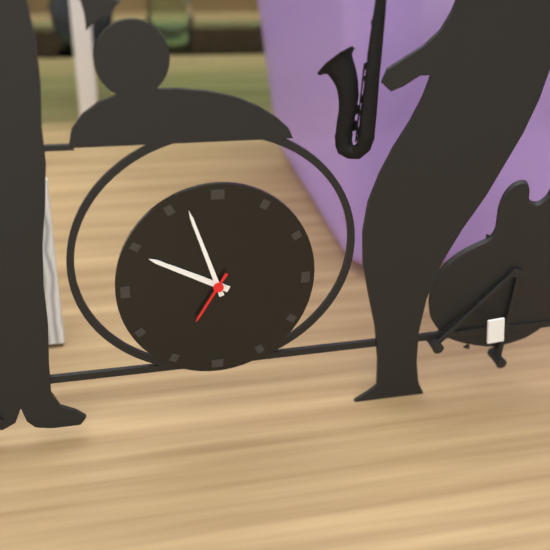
9:57:35
